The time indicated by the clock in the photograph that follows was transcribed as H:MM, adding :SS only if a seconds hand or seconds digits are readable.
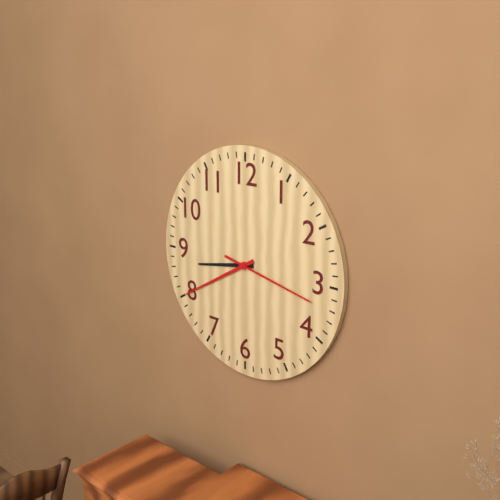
8:40:17
